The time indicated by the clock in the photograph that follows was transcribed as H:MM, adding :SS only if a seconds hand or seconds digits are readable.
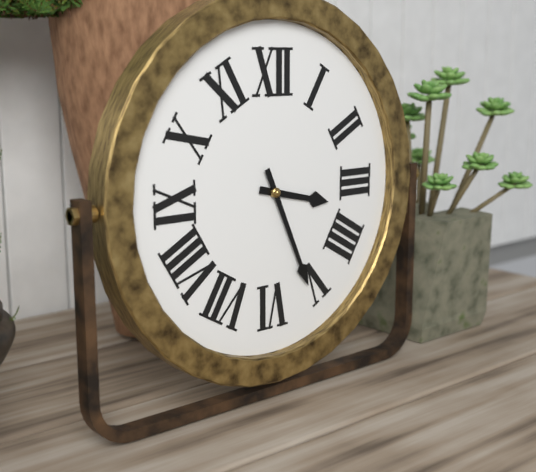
3:26
